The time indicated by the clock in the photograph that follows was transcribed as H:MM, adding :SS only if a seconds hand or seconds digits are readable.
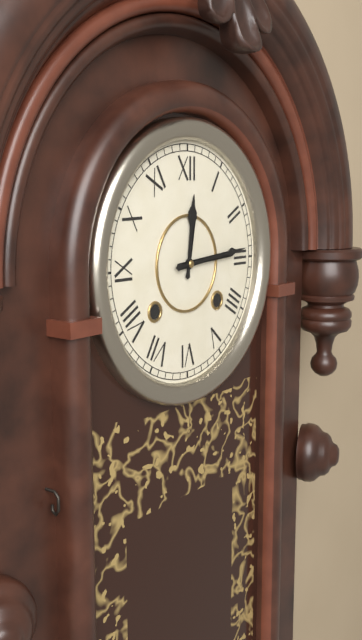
12:14
